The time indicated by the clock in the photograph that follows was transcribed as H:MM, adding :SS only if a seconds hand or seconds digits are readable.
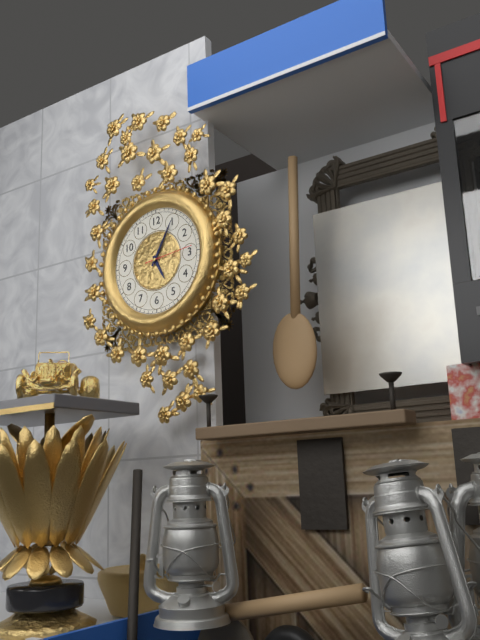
5:05:14
